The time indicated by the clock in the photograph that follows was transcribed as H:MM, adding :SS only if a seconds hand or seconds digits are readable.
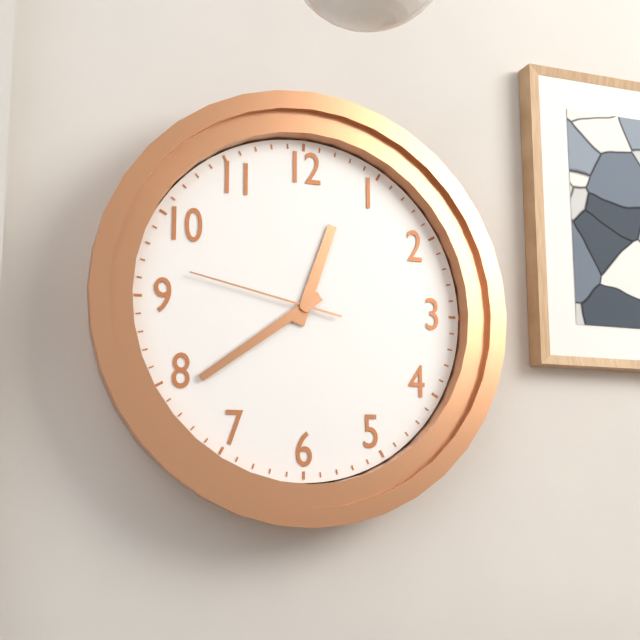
12:39:47
